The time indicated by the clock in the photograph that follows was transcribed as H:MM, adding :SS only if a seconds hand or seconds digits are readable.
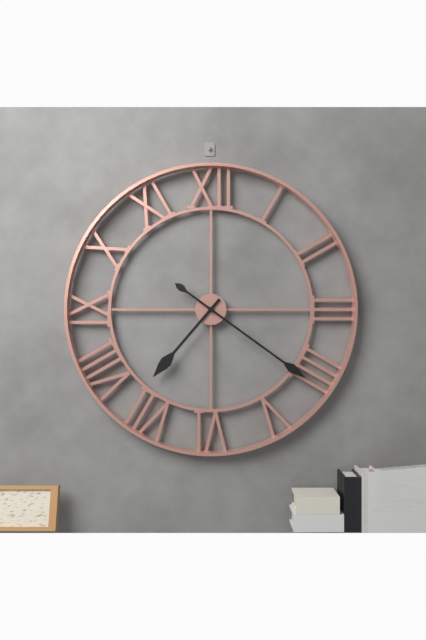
7:21
